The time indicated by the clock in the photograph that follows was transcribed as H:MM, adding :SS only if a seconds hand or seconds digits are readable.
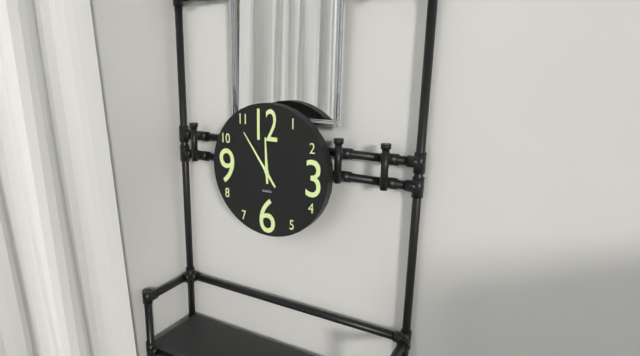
11:54
